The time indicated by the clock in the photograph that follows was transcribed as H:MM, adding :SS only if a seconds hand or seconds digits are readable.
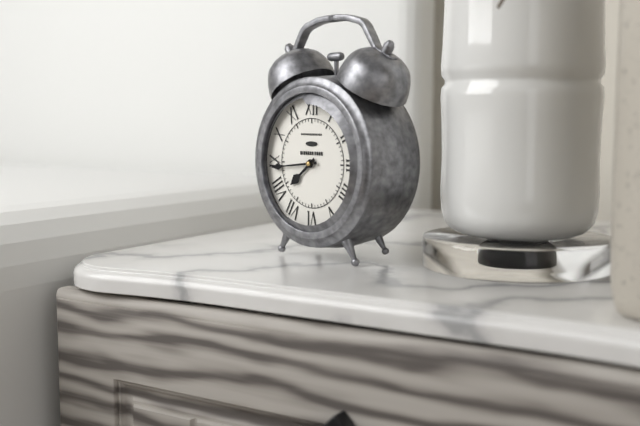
7:44
